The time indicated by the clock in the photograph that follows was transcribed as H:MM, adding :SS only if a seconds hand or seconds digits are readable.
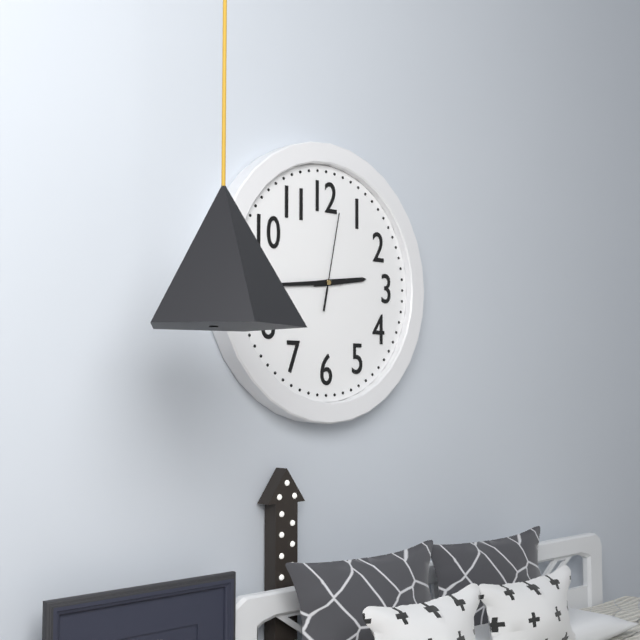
2:44:02
